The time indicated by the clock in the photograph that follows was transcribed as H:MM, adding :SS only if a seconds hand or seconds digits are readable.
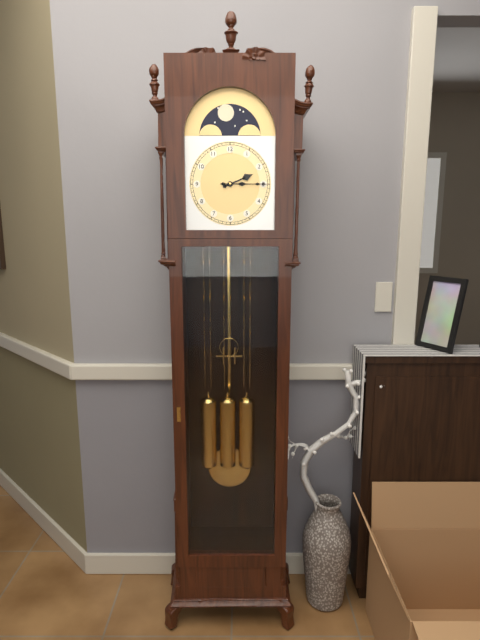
2:15
